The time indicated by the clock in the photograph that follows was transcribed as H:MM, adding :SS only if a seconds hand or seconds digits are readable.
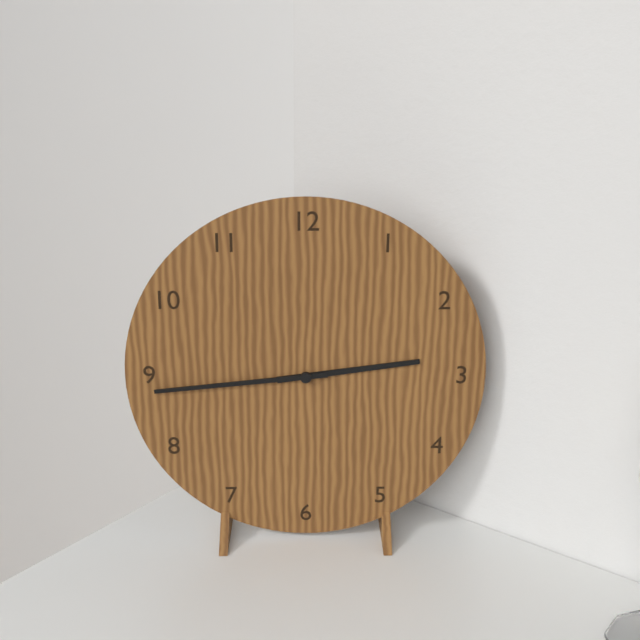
2:44
